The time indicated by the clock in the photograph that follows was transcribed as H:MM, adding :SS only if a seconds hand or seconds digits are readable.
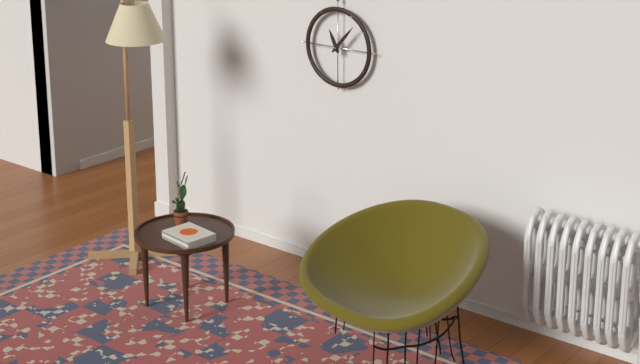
11:07
